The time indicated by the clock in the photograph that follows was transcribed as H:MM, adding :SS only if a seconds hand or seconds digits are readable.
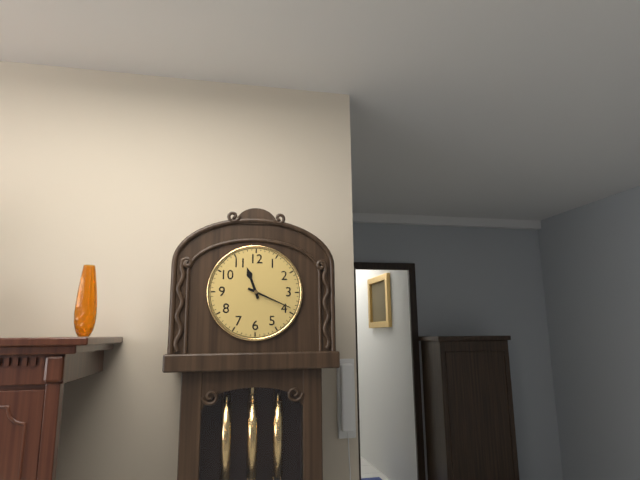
11:19
